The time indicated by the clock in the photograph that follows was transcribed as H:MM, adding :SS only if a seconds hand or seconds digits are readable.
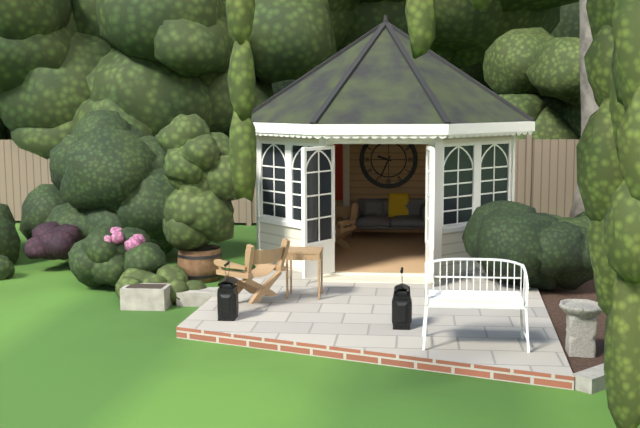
9:34
